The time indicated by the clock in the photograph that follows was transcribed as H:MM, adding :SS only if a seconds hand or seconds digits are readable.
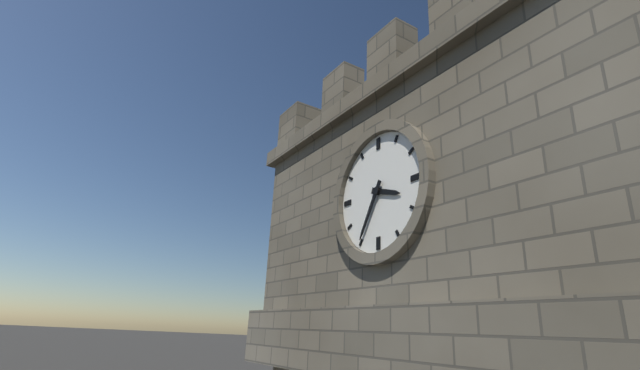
3:35
